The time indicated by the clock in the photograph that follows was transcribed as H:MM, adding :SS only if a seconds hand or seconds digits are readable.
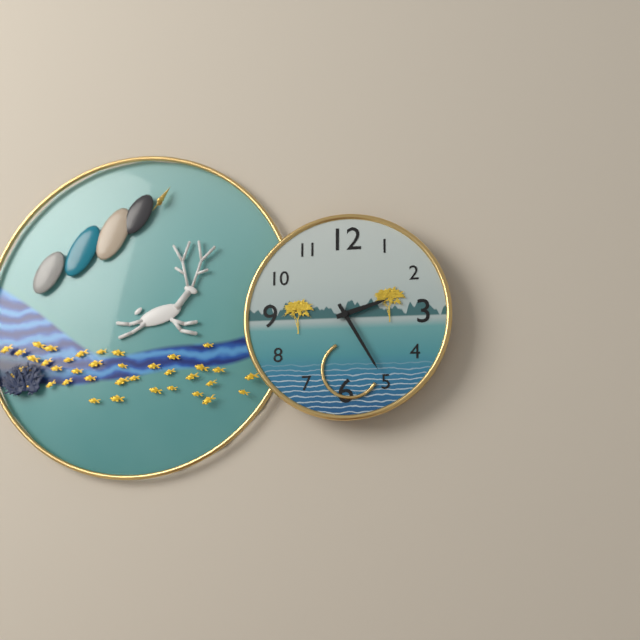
2:25
